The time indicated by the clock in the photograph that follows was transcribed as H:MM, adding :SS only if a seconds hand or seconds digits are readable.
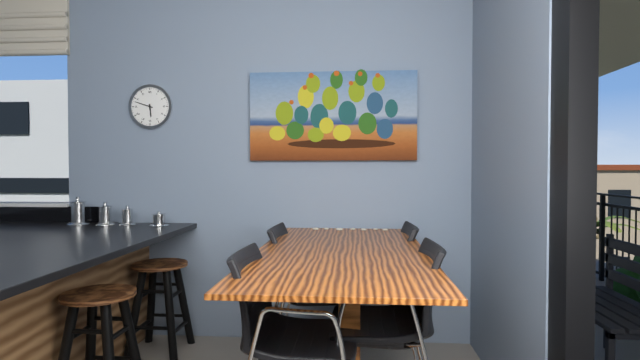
5:48
